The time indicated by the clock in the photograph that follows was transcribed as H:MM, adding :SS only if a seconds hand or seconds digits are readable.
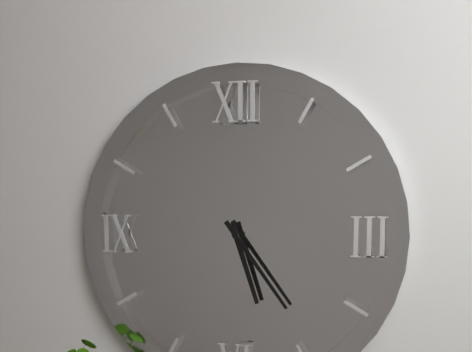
5:24
